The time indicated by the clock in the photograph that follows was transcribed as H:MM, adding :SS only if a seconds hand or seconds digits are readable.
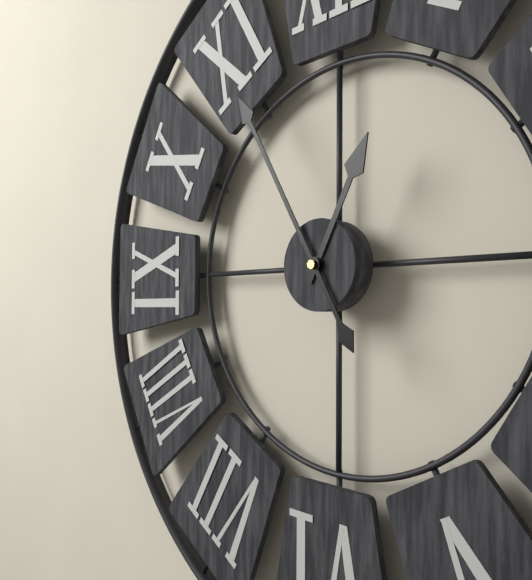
12:55
